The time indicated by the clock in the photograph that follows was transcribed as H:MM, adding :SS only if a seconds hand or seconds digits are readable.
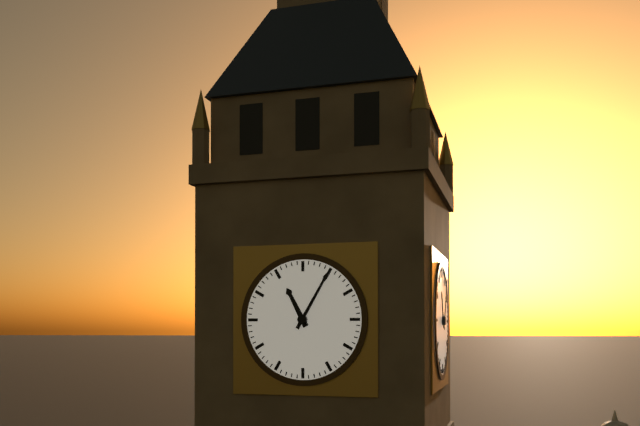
11:05
